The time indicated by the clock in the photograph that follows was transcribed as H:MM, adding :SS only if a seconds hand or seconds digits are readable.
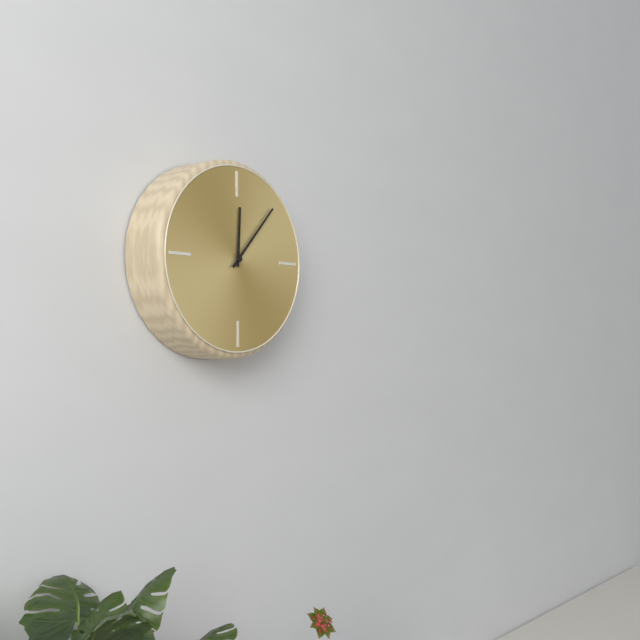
12:07
